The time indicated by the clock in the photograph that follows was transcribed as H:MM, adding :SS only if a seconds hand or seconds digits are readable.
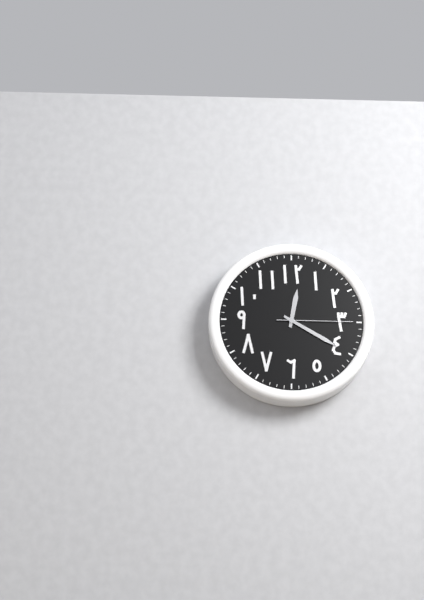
12:20:15
